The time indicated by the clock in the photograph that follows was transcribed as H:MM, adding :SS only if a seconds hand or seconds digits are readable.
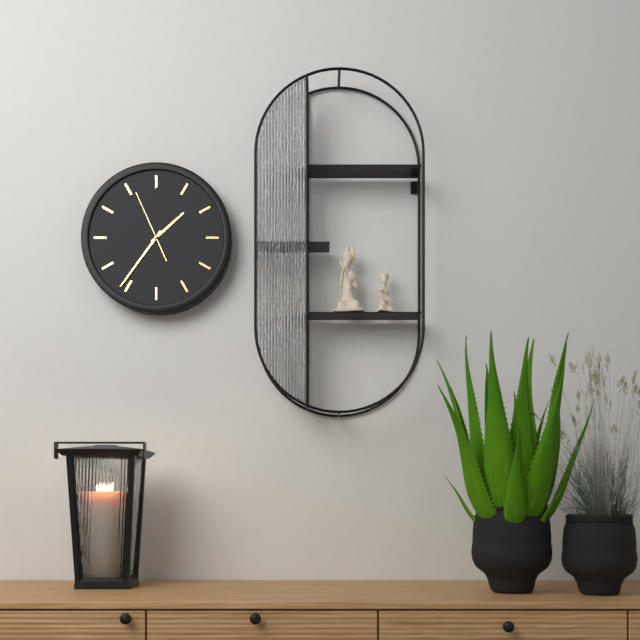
1:36:56
